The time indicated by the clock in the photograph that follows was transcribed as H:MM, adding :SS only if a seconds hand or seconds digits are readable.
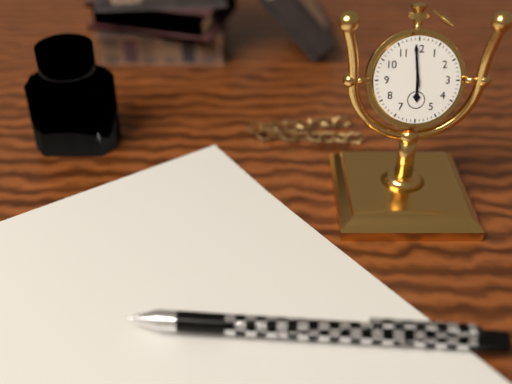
5:59
